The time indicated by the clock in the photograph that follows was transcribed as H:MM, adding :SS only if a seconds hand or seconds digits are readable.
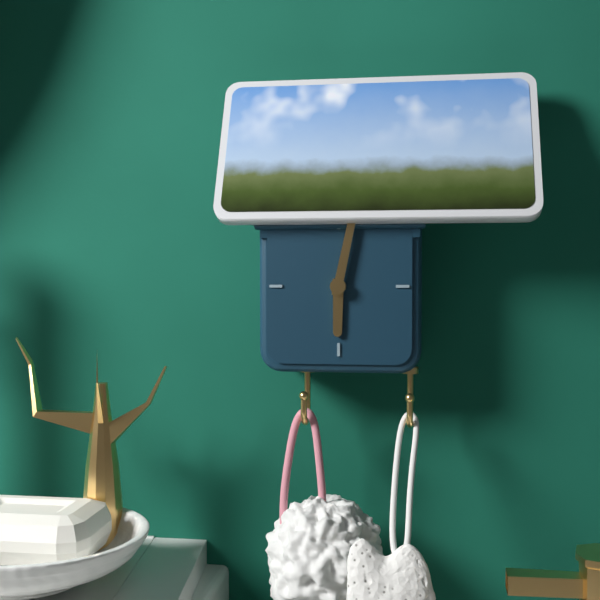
6:02
